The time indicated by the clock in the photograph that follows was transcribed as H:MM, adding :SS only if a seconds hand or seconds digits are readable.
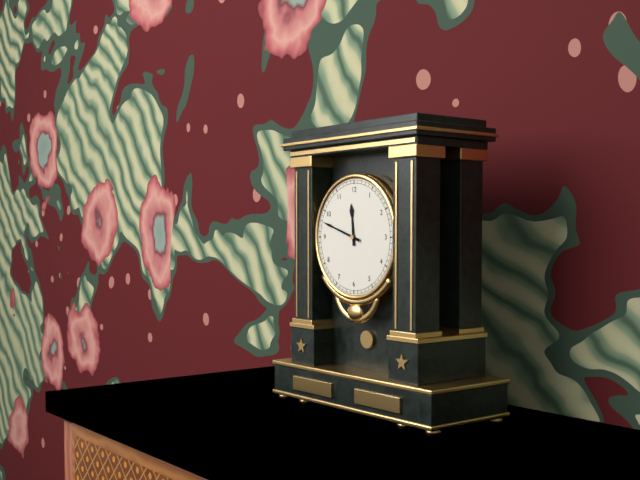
11:48
